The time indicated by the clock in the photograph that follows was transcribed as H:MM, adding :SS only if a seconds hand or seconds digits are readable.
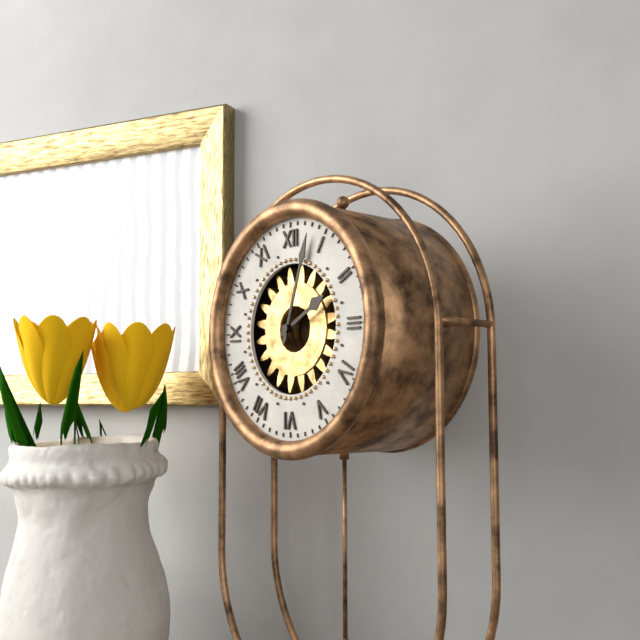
2:03
